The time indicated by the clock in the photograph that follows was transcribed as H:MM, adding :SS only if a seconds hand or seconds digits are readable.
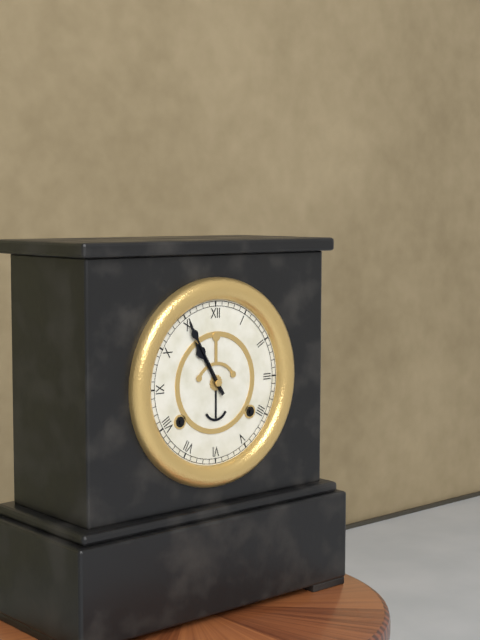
10:55
